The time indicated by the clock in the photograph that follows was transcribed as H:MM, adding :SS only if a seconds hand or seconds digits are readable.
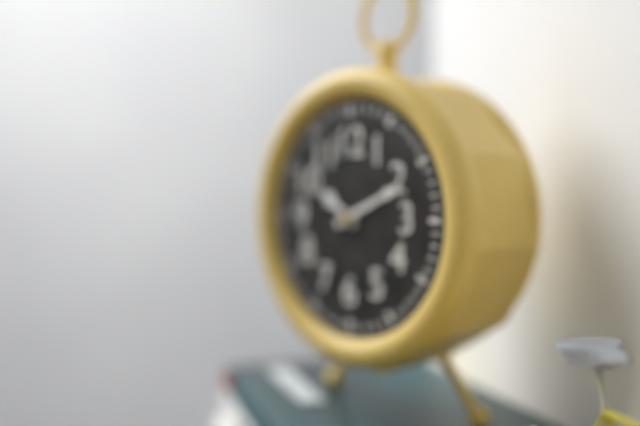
10:11
